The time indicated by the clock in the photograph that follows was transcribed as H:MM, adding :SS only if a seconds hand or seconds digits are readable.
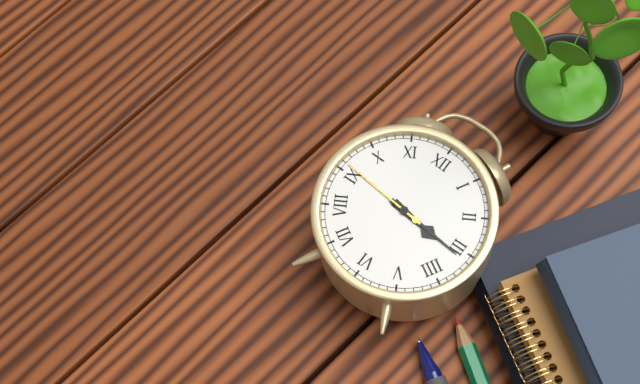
3:16:46
